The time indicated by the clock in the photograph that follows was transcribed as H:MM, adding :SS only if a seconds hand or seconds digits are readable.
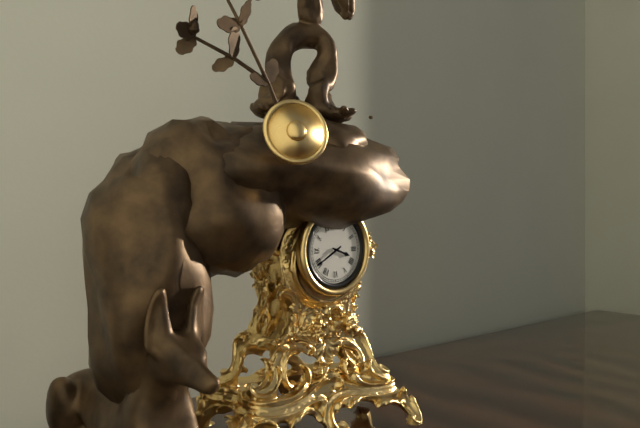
3:40
